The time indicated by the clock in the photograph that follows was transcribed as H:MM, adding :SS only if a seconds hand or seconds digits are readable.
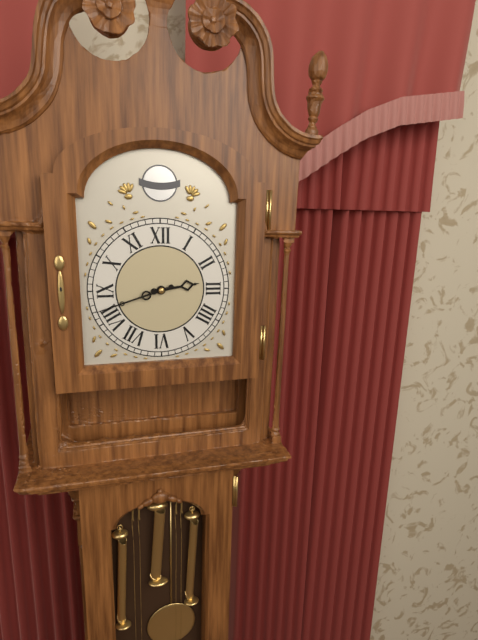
2:42
